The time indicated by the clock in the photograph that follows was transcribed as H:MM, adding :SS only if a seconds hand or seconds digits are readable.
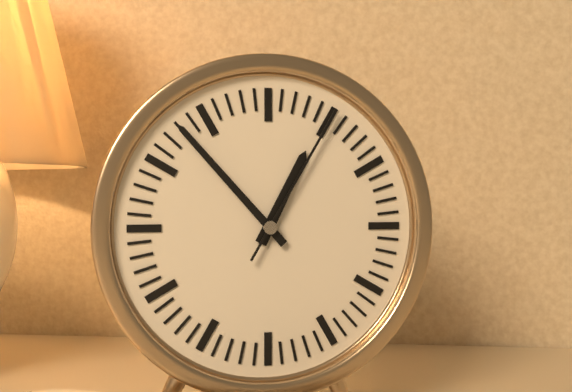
12:53:05
